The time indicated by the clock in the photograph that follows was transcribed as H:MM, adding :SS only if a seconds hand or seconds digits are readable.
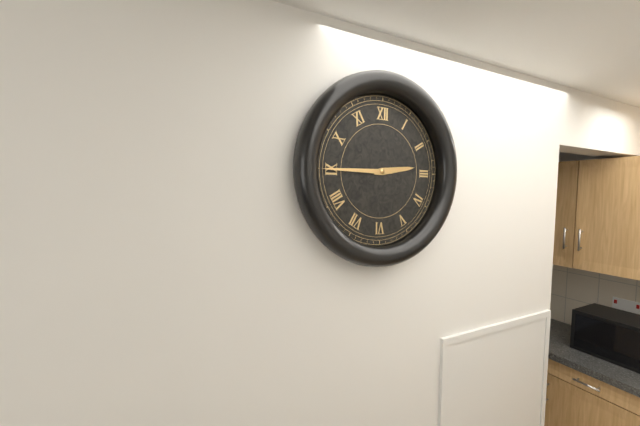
2:45
